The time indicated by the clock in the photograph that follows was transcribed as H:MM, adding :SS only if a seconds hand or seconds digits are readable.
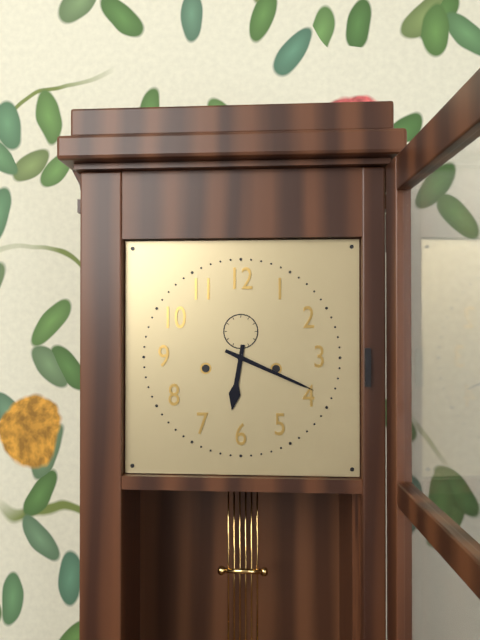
6:19
